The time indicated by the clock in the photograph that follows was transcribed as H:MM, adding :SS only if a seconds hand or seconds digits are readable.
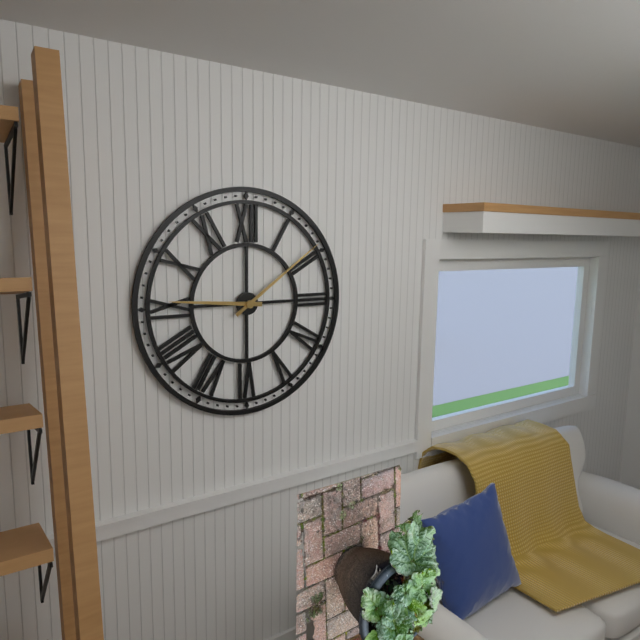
9:09
